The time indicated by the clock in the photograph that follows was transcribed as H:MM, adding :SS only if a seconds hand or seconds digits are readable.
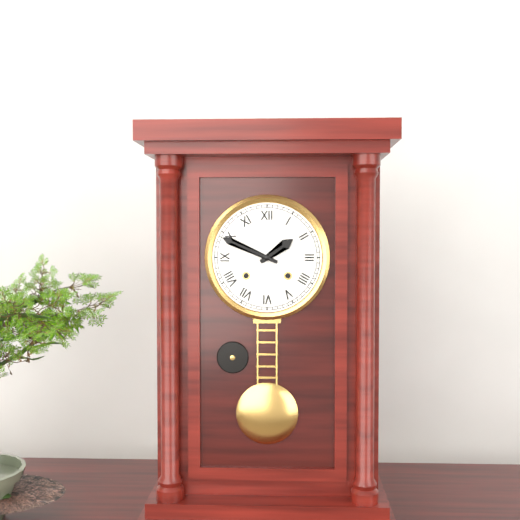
1:49
